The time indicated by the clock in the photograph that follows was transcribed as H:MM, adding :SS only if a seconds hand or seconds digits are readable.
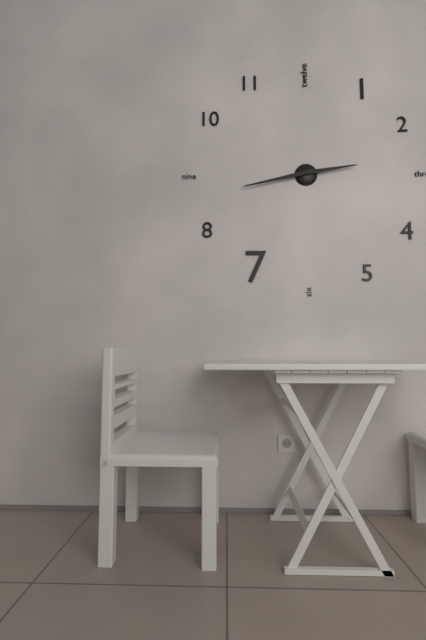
2:43
